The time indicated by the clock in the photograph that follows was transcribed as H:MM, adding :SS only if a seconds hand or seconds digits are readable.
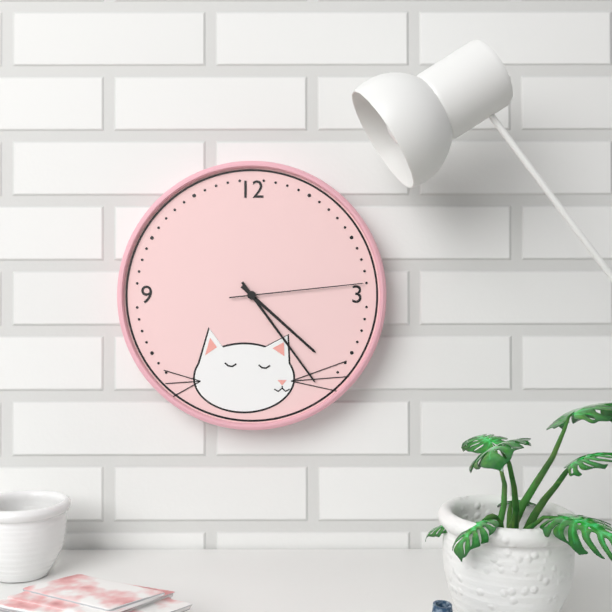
4:24:14
